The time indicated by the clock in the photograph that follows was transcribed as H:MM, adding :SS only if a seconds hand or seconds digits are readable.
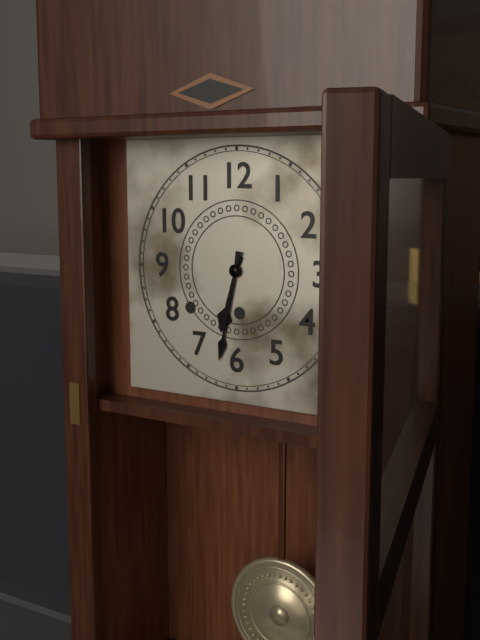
6:32
